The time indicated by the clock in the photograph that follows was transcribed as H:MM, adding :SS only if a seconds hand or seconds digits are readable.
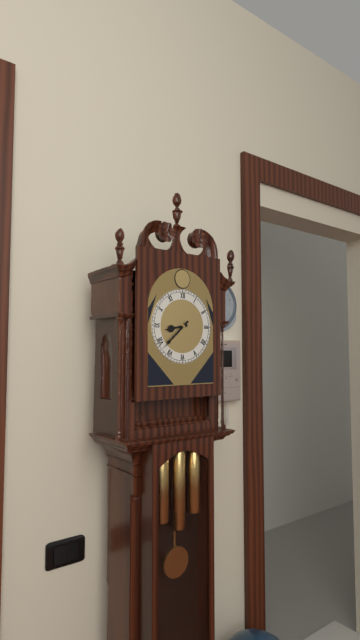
8:38
